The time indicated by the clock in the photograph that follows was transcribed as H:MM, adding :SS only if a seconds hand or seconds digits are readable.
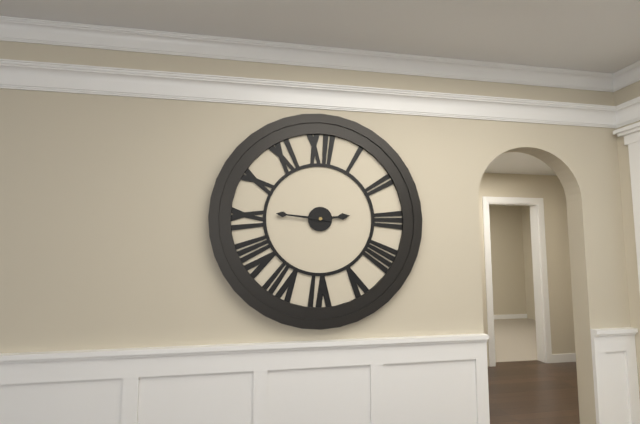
2:46
